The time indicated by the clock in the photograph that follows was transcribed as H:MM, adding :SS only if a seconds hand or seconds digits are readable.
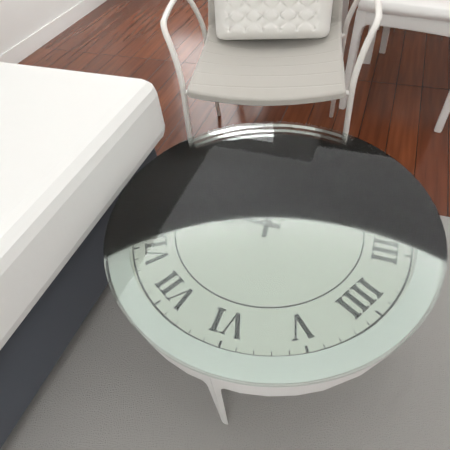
8:59
